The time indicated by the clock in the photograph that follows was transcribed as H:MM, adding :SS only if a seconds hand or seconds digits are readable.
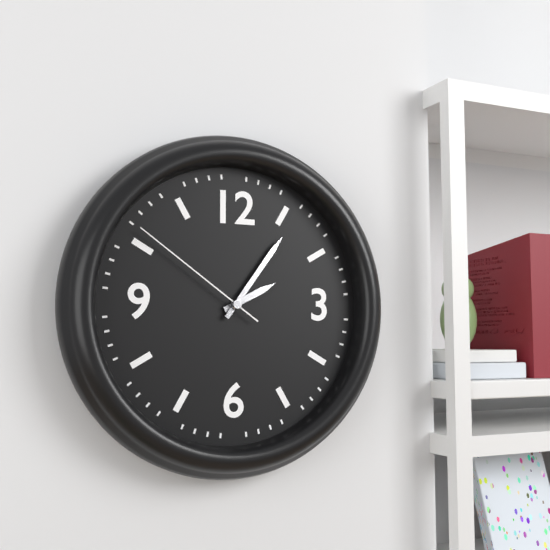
2:06:51
